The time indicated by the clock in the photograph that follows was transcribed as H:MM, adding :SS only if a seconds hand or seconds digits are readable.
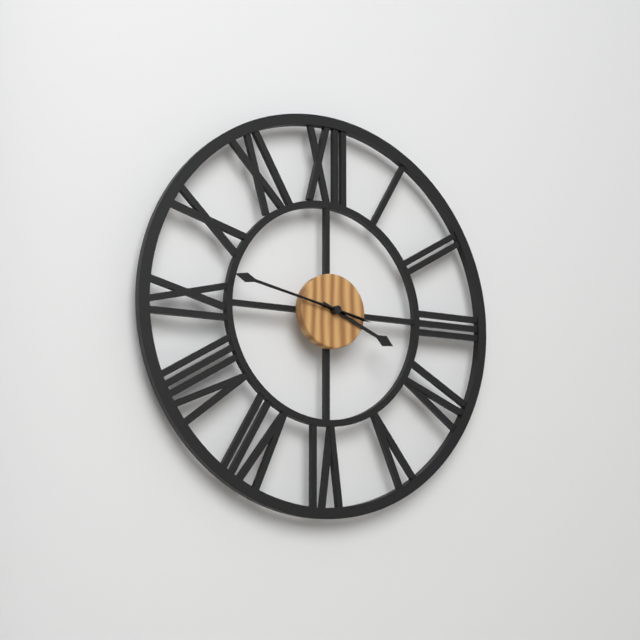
3:47
